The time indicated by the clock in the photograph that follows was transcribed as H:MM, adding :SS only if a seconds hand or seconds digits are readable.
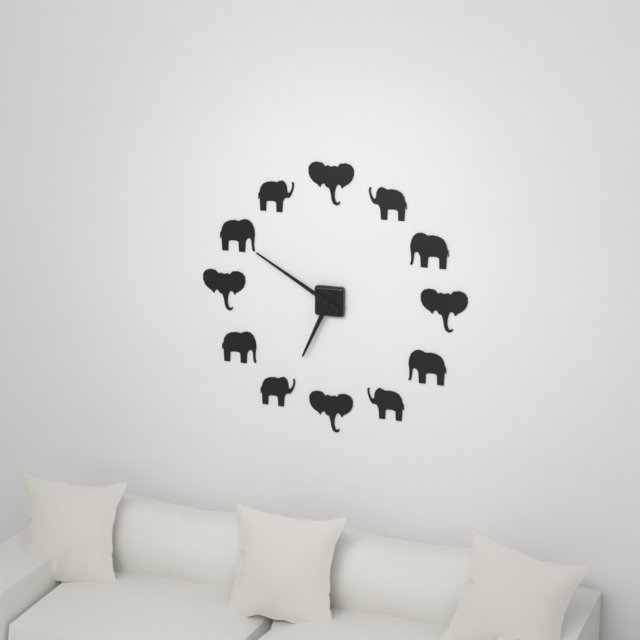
6:50
